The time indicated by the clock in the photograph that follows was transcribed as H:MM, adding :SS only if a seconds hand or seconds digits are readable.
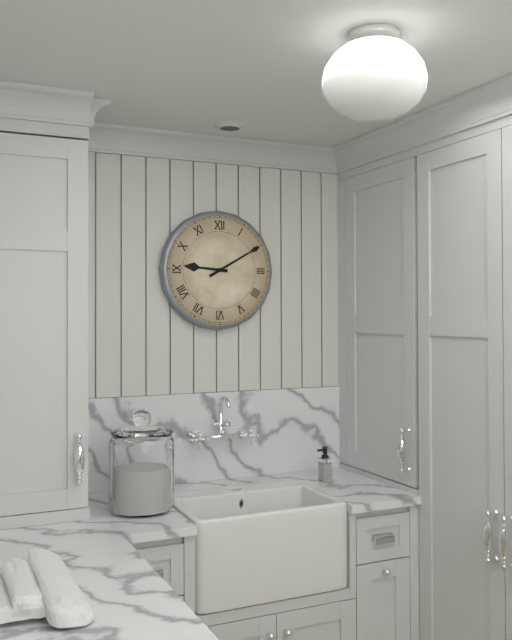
9:10
